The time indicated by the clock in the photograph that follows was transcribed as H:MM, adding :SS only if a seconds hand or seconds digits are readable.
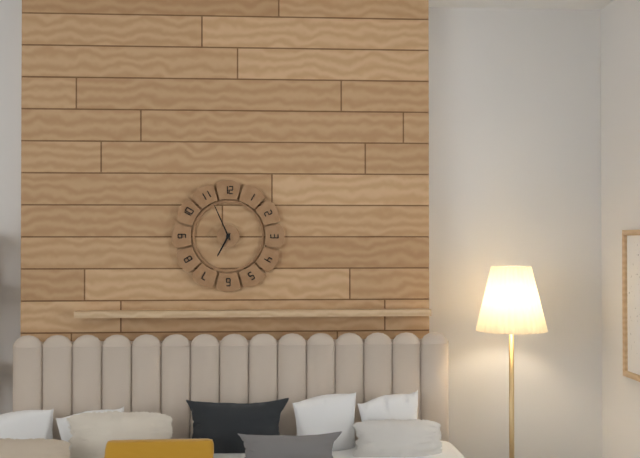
6:56
